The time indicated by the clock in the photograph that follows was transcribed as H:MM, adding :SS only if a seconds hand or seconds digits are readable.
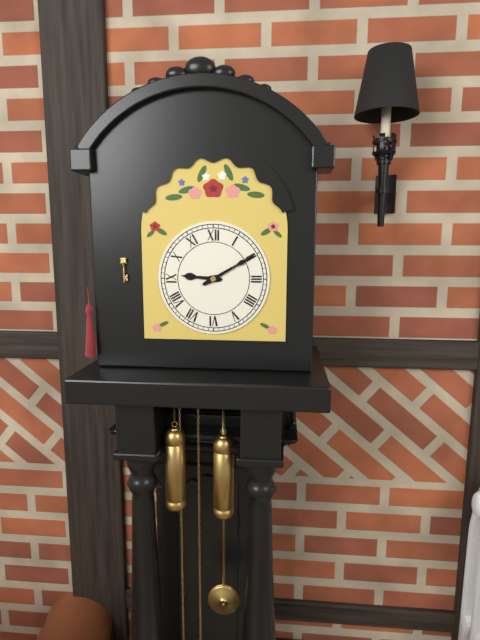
9:10
